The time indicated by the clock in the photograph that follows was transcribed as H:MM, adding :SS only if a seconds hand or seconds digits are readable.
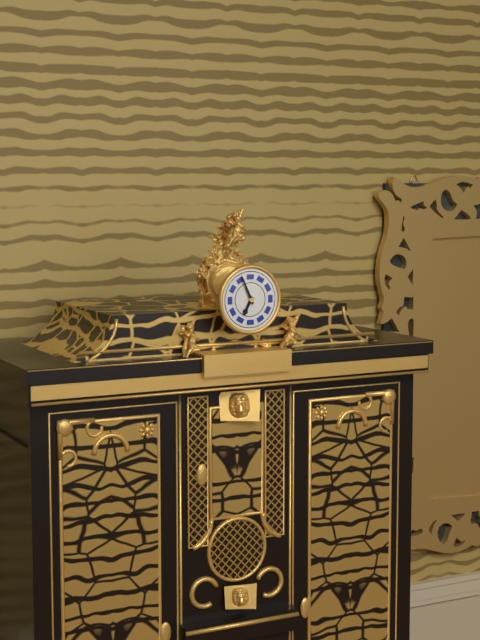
6:56
